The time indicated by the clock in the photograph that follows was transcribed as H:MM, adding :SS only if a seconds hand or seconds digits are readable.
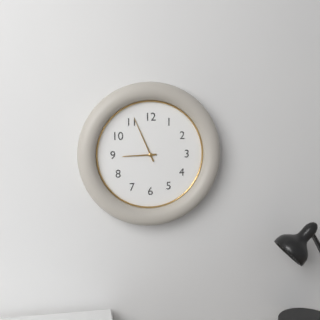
8:56
